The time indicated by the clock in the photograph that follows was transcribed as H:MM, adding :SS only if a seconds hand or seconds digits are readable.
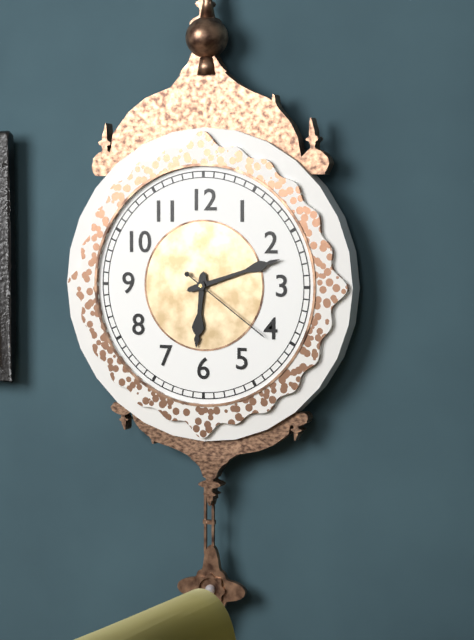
6:12:21
